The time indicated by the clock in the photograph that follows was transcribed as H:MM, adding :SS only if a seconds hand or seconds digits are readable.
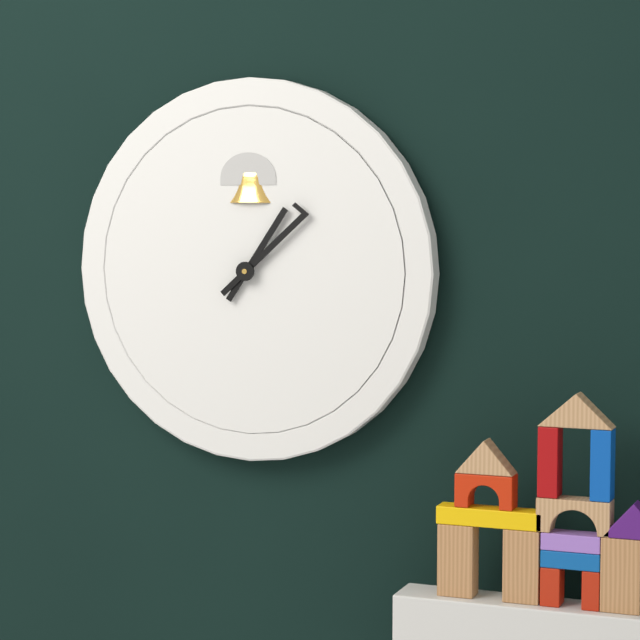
1:08
